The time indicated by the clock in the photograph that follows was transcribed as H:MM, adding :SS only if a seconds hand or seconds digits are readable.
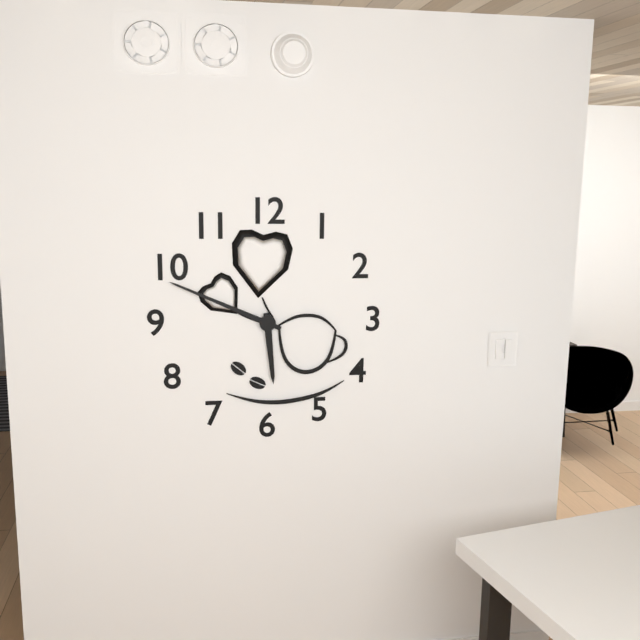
5:49
